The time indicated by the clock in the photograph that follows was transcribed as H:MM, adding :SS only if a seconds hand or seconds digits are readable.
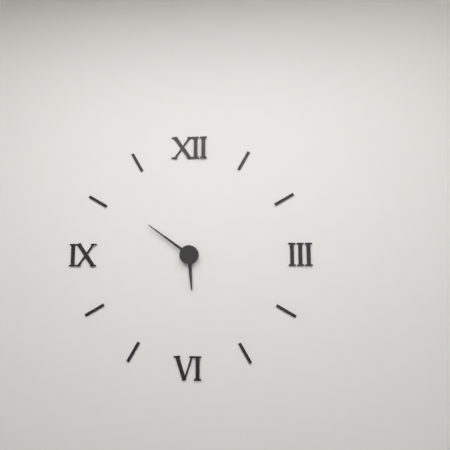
5:51
